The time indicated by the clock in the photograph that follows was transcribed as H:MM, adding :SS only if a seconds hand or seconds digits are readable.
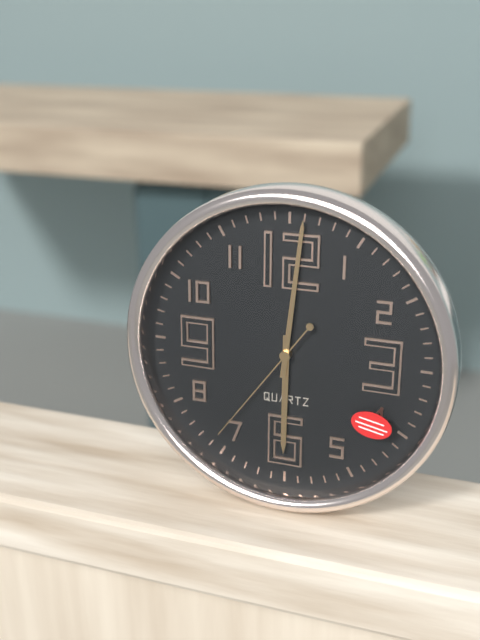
6:01:36
